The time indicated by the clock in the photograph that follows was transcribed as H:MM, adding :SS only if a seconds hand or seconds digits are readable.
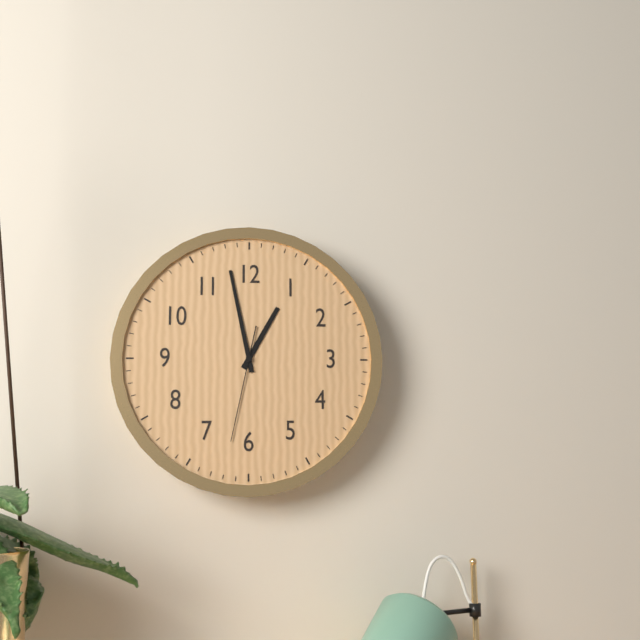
12:58:32
